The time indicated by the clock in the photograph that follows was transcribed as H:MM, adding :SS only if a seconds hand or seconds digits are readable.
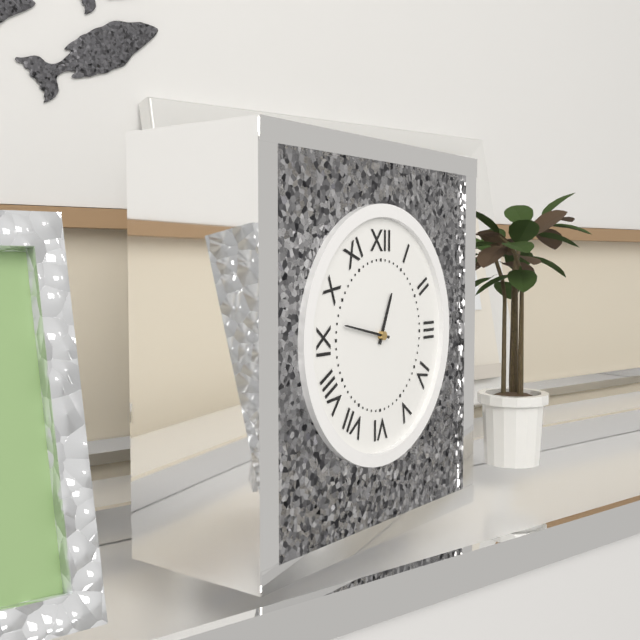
12:47
